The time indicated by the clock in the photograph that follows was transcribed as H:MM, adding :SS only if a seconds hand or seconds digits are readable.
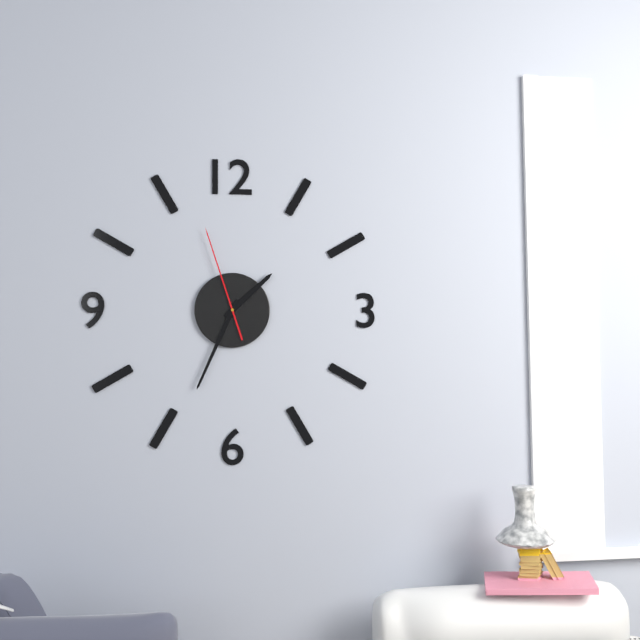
1:34:57
